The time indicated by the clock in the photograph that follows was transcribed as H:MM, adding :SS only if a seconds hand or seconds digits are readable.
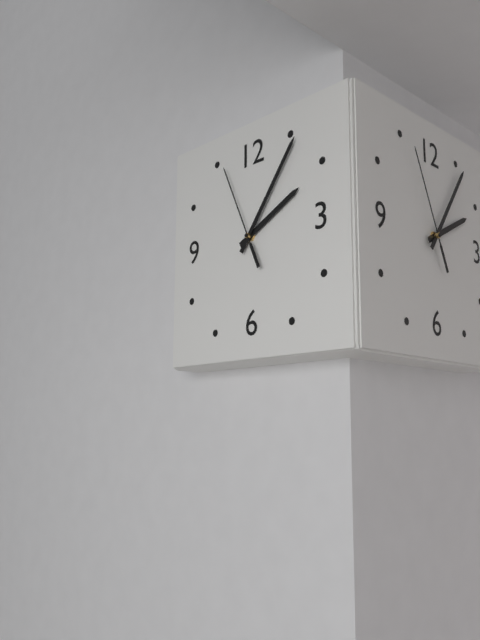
2:06:56
